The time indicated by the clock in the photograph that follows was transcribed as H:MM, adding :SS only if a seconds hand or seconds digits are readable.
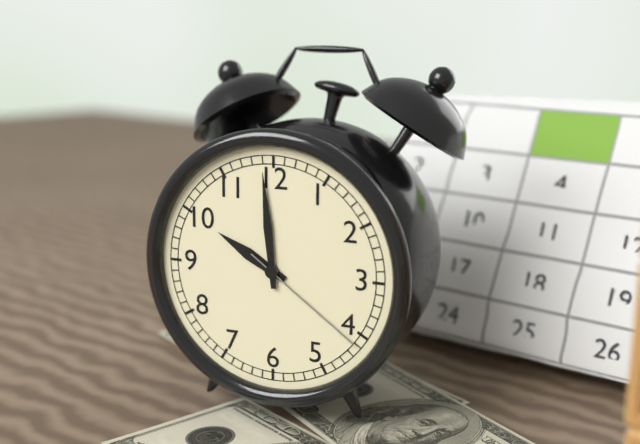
9:59:21
